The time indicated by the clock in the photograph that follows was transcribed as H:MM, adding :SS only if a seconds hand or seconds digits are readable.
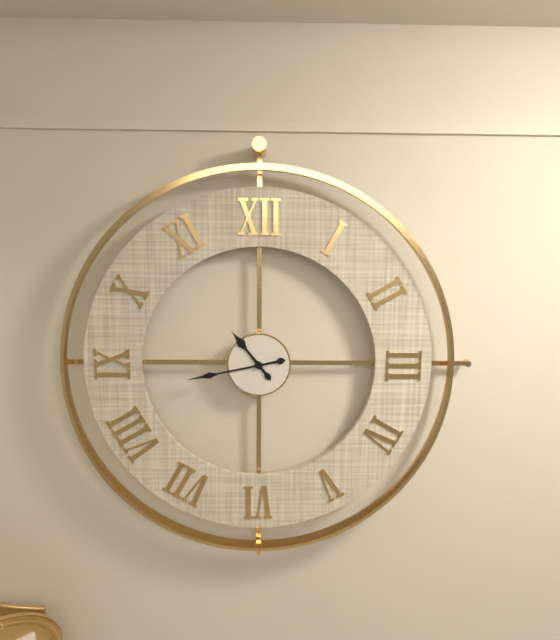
10:43
